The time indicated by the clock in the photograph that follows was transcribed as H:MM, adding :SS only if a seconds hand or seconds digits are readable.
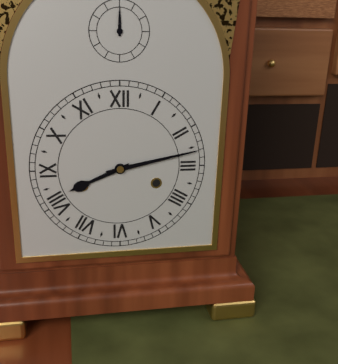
8:13
